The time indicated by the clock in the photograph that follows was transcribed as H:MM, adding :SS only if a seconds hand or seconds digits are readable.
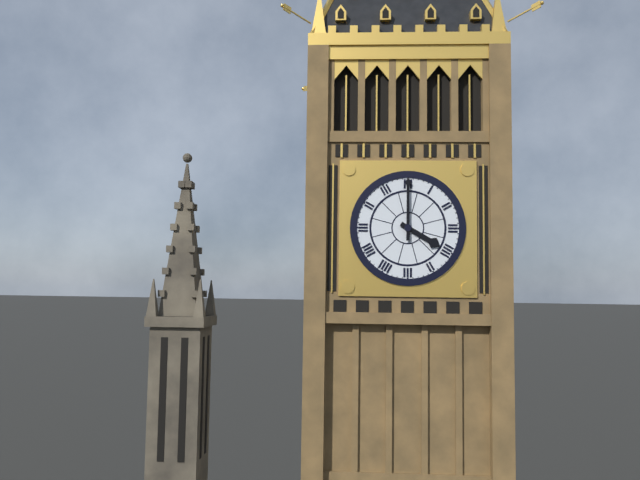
4:00
